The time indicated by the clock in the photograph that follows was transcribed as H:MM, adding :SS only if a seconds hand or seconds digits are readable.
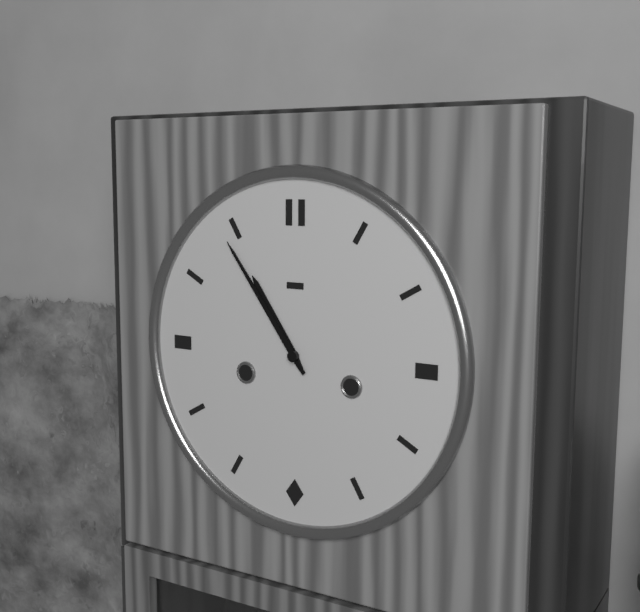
10:54
